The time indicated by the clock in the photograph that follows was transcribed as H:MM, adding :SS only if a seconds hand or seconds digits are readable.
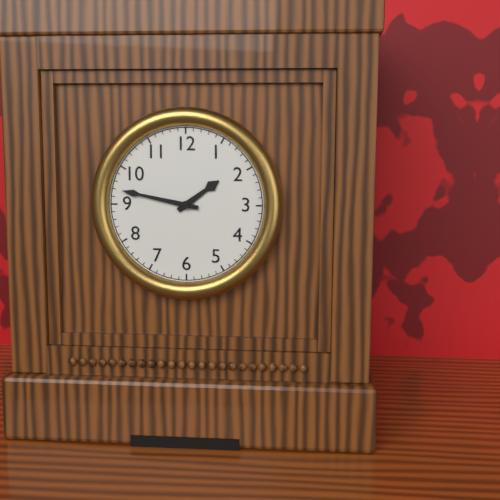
1:47
